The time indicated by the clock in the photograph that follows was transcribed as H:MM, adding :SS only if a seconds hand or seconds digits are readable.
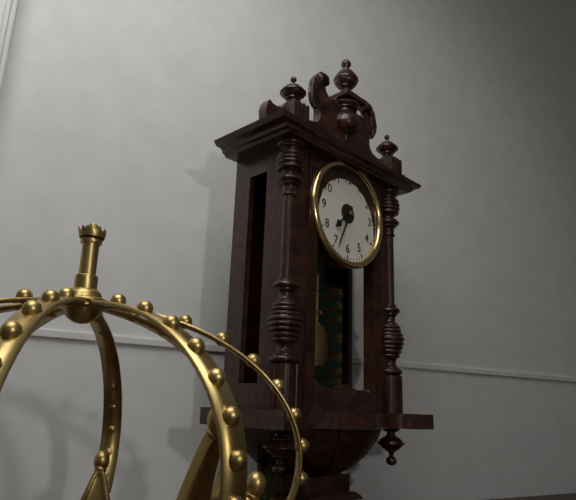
7:34
